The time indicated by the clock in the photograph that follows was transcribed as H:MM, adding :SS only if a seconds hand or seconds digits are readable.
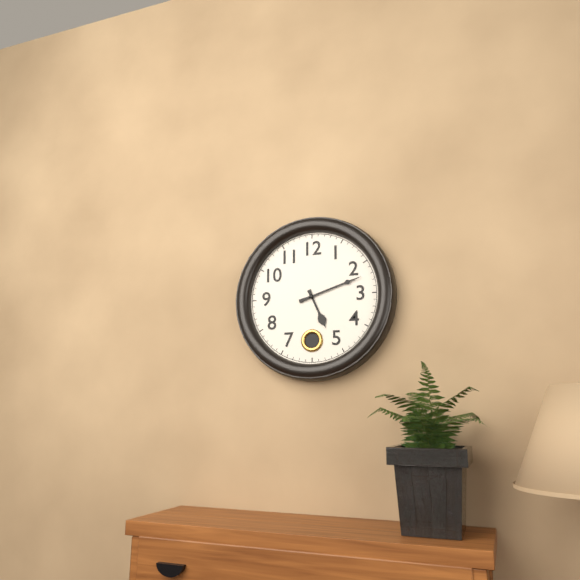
5:12
